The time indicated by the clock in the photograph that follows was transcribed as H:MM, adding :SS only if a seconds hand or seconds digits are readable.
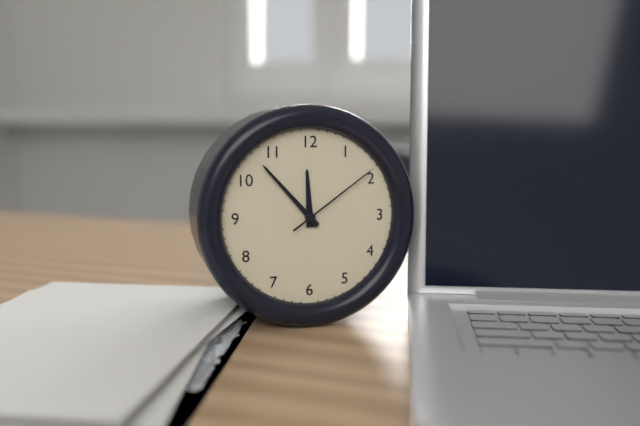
11:53:09
